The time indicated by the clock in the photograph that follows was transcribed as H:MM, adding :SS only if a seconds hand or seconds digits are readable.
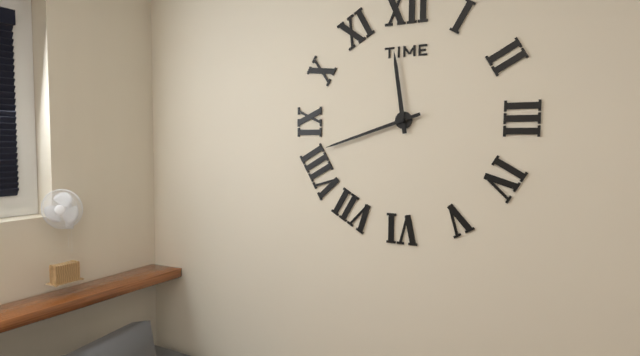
11:42
